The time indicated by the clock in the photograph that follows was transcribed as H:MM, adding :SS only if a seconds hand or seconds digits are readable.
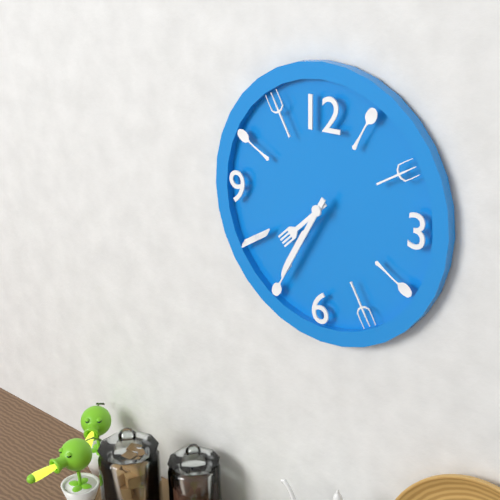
7:35
